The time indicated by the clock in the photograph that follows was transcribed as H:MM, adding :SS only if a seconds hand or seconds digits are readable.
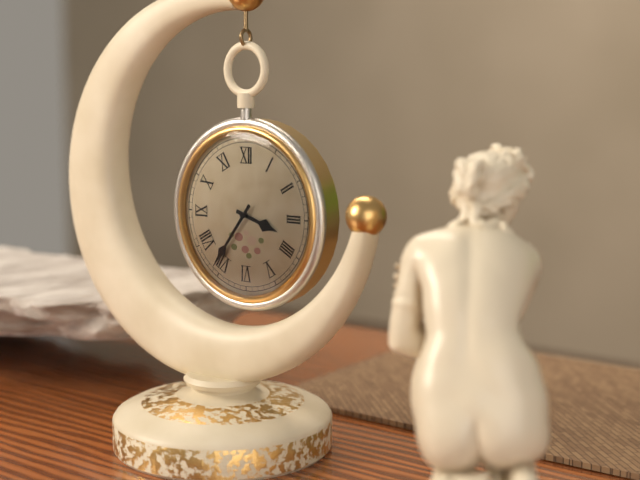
3:36
